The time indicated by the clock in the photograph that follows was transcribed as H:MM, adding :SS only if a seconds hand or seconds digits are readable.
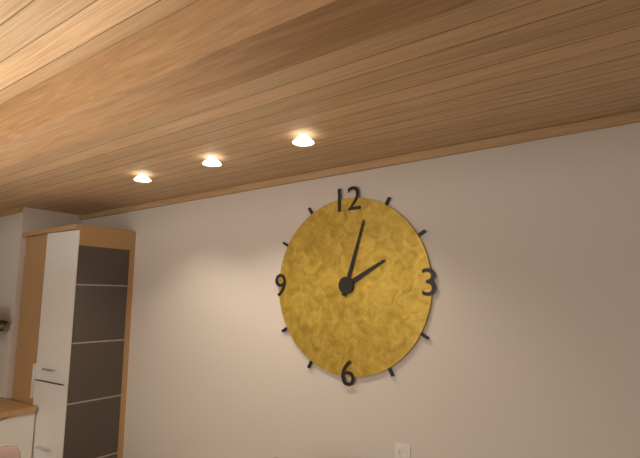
2:03
